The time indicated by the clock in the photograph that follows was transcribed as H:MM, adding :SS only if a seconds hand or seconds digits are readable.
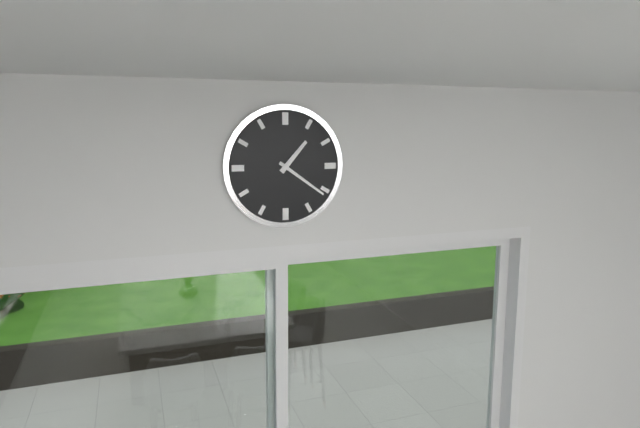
1:21
